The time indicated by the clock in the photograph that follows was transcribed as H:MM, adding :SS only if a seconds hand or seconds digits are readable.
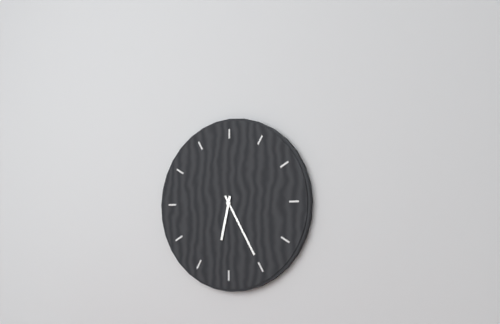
6:25
